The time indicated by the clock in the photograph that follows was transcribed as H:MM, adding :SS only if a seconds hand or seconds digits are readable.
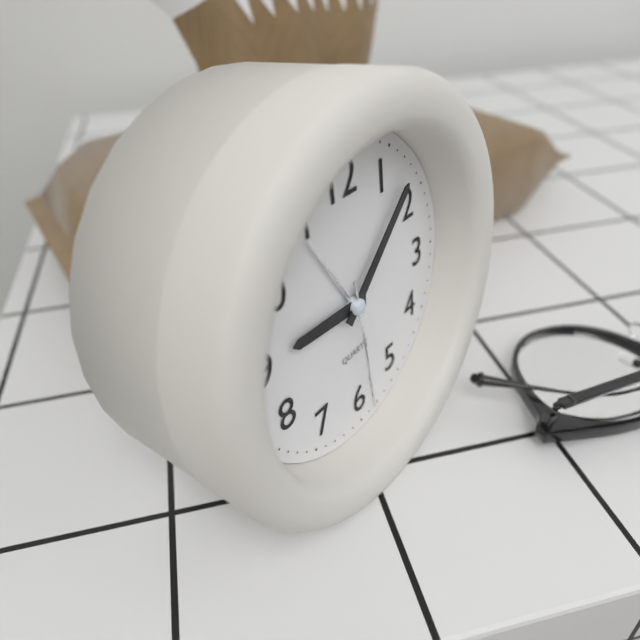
9:08:29
